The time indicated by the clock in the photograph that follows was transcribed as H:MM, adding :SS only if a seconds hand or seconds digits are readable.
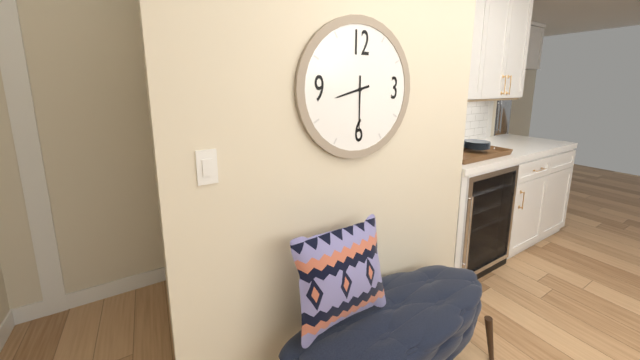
8:30
